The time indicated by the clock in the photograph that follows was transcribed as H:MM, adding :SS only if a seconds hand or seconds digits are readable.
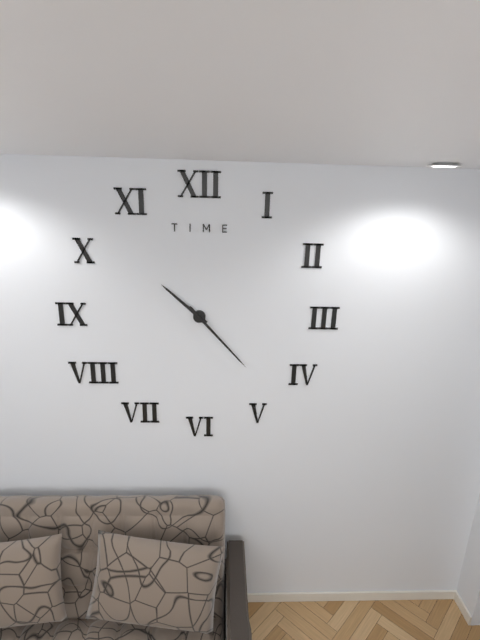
10:23
